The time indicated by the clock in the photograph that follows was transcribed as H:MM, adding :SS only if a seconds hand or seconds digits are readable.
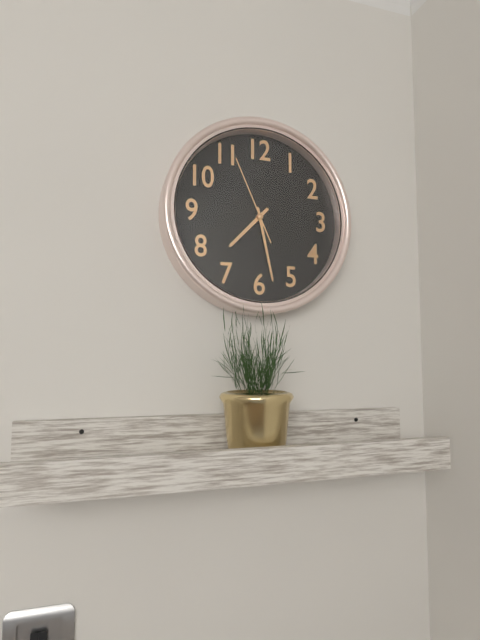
7:28:56
